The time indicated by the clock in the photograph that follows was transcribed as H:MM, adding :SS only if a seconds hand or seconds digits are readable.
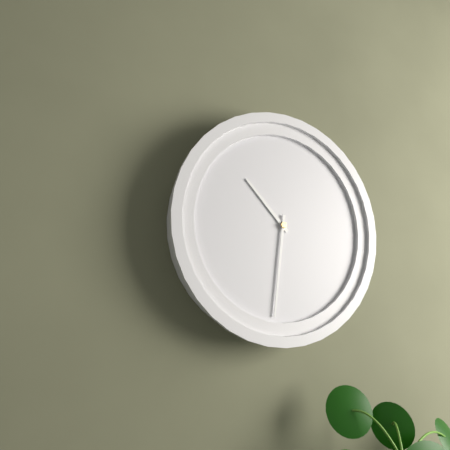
10:31
